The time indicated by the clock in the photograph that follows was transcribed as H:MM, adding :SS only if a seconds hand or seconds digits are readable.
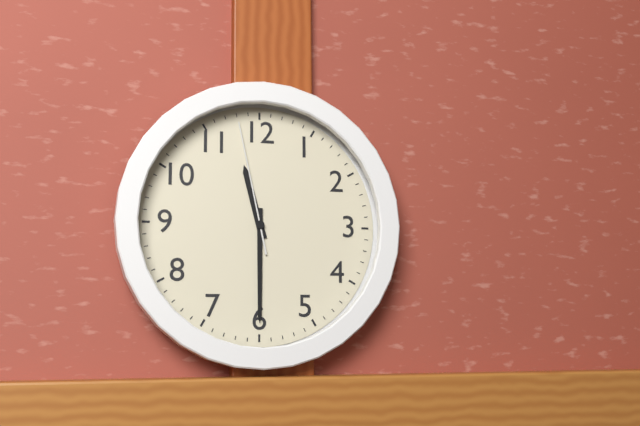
11:30:58
